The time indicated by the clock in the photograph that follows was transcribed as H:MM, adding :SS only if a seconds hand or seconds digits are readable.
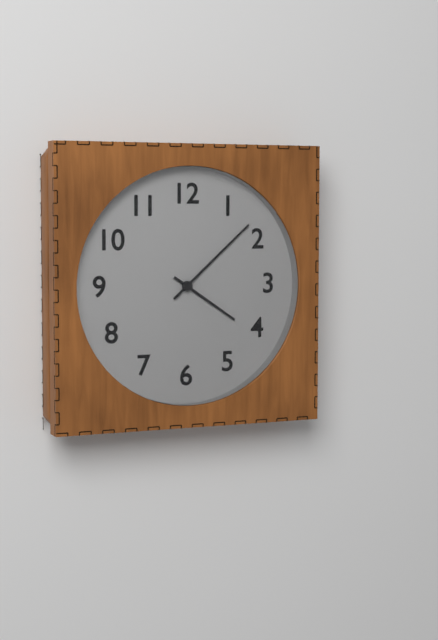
4:08
